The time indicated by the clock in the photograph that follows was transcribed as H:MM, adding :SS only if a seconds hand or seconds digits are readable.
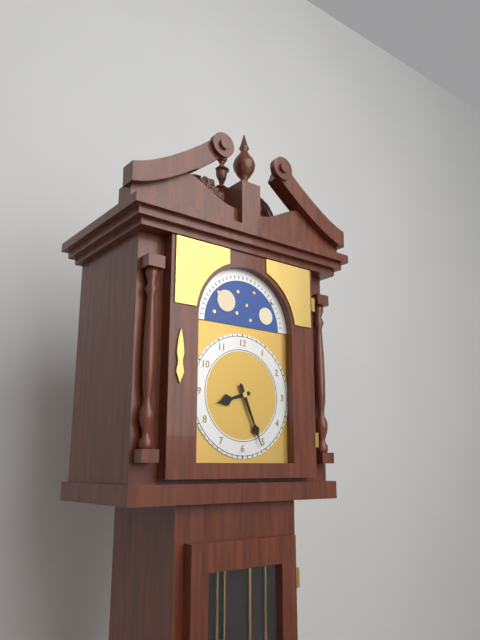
8:26
